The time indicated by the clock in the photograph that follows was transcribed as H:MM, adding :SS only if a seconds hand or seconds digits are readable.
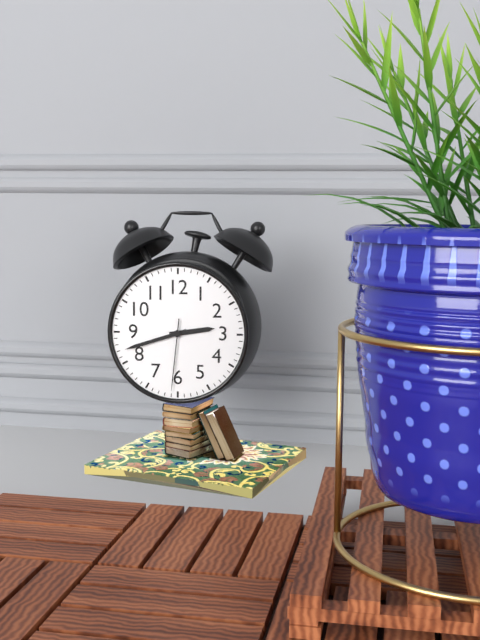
2:42:31
